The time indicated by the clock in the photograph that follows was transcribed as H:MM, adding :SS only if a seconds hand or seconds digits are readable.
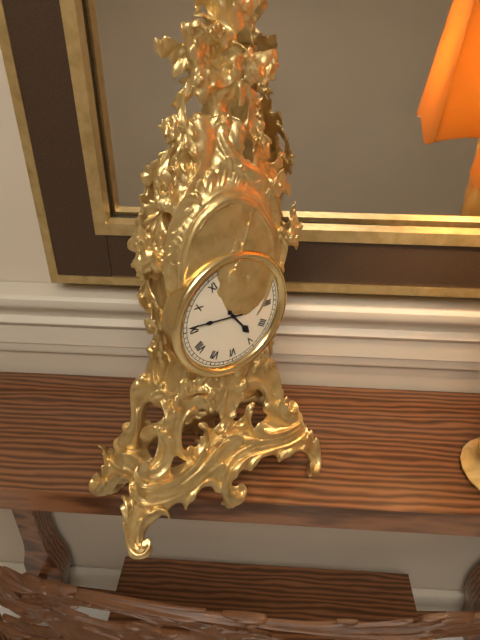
4:46
